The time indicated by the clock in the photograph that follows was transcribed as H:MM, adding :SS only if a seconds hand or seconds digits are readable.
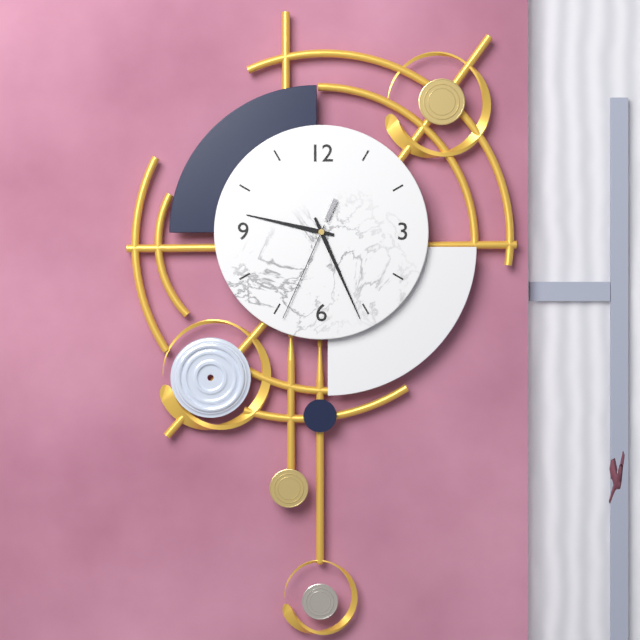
9:26:34
